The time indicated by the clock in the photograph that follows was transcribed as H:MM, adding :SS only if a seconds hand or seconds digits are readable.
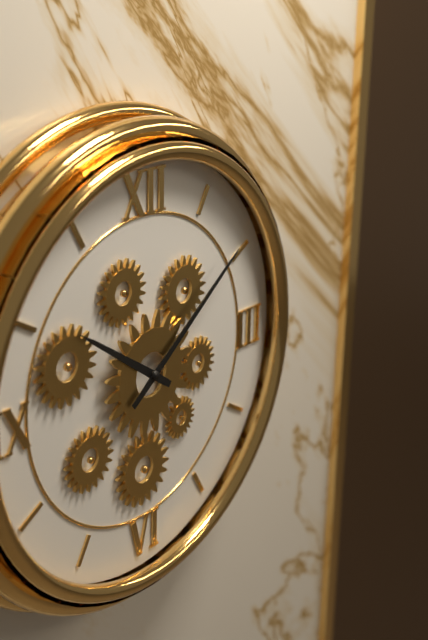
10:09
